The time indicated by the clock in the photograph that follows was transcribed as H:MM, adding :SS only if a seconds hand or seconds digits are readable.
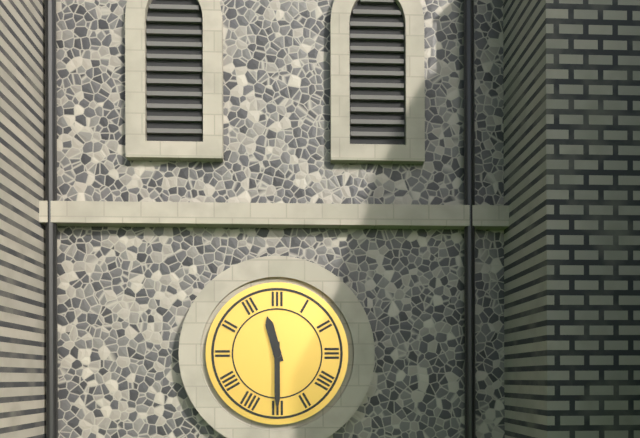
11:30
